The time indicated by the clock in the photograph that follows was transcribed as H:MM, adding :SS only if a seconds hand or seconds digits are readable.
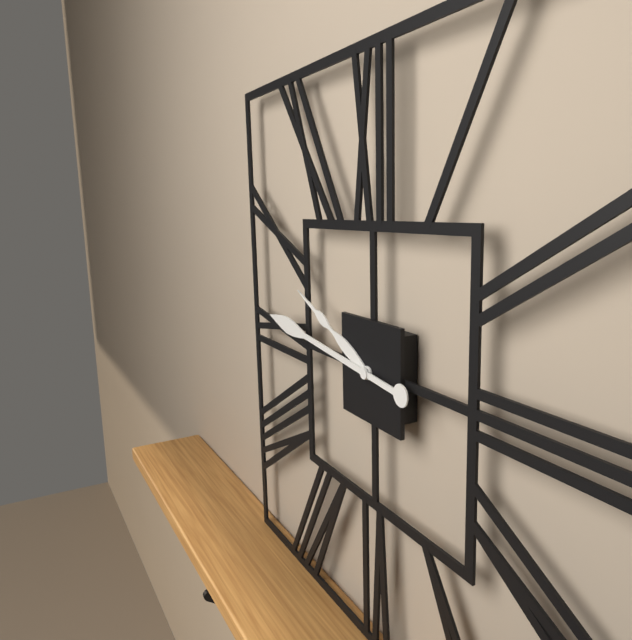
9:46
